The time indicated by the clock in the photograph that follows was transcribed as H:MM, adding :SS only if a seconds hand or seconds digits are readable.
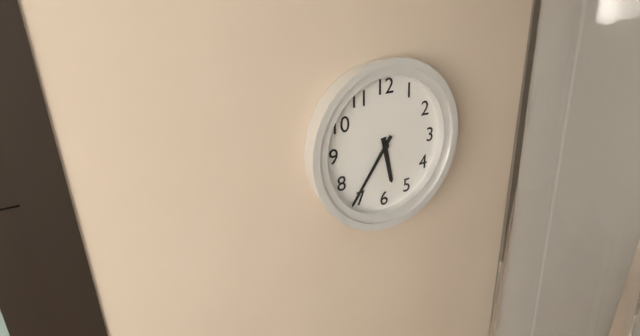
5:36
